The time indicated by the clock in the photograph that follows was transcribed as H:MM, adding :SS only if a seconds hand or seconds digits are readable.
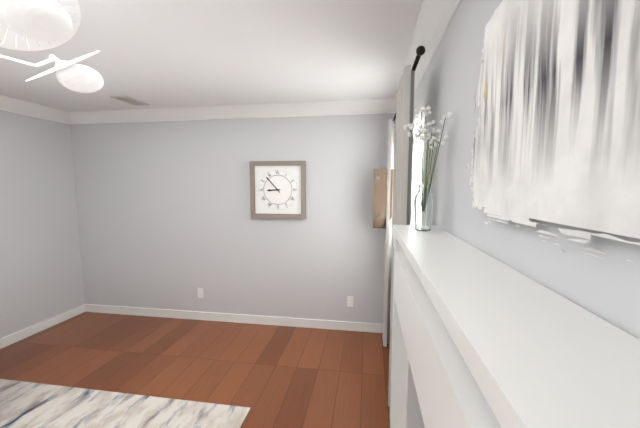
8:53
